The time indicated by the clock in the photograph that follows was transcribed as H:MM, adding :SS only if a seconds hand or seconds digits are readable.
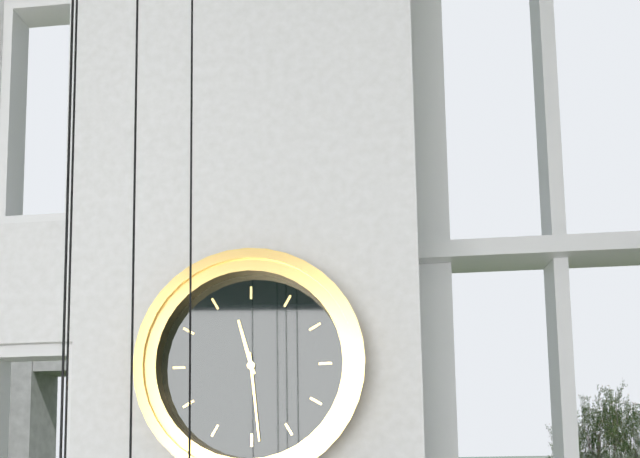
11:29
